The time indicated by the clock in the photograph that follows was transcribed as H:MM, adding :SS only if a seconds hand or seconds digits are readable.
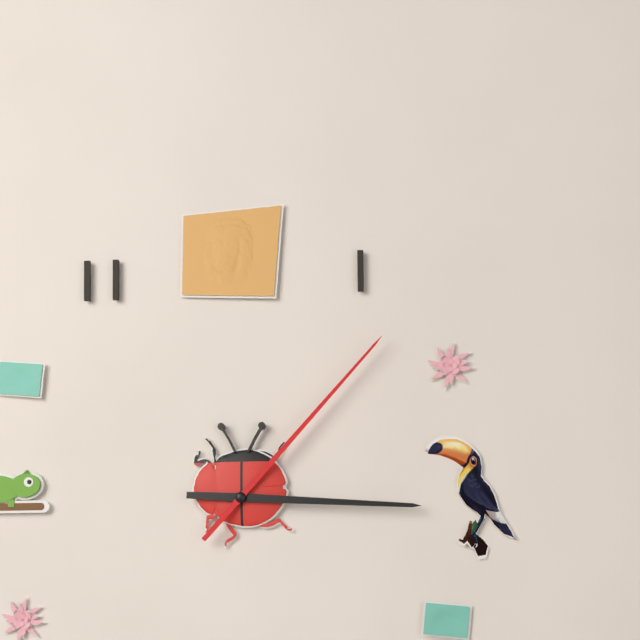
3:07
